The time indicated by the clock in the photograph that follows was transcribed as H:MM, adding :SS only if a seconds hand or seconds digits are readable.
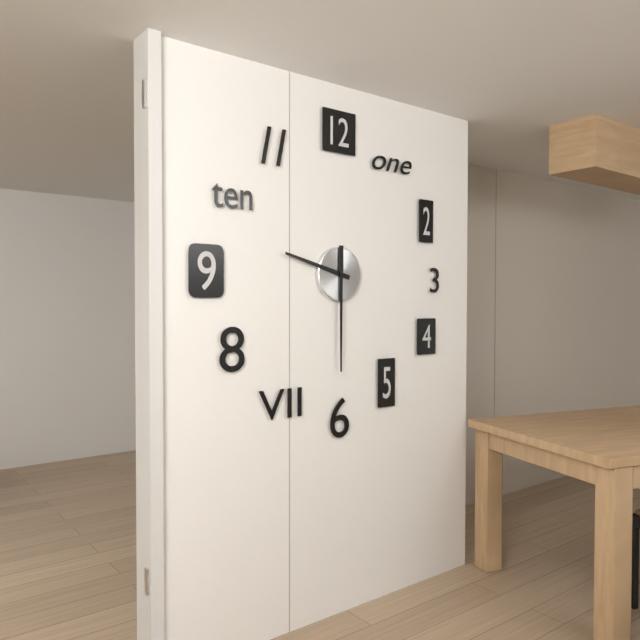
9:30
